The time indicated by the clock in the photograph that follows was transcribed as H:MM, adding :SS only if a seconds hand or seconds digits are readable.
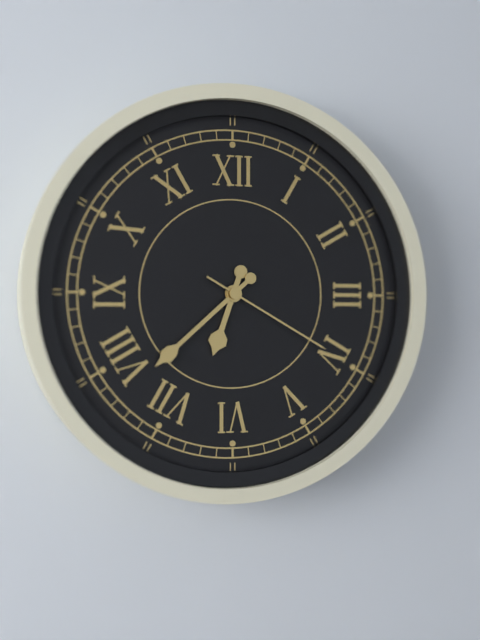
6:38:20
